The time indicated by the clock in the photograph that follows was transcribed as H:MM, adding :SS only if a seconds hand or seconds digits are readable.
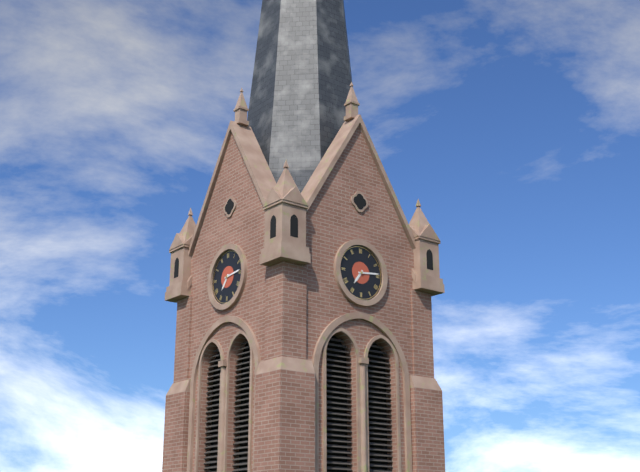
7:14
